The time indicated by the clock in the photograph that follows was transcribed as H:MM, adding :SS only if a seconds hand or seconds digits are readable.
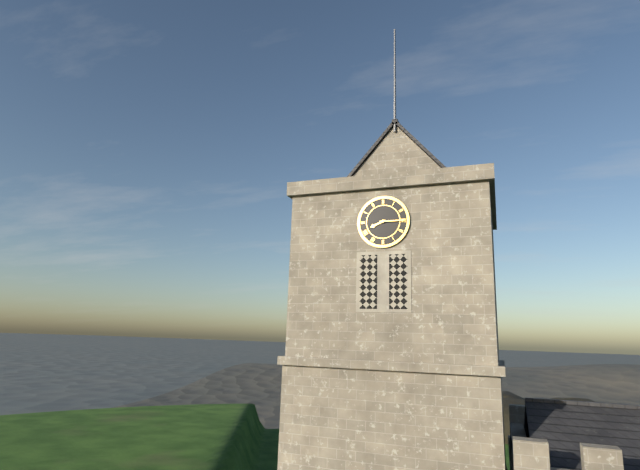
8:15
